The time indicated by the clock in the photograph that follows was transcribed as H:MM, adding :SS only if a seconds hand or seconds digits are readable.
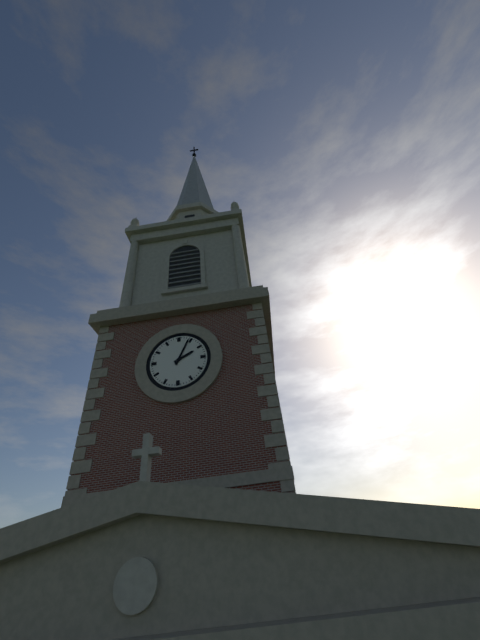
2:04
